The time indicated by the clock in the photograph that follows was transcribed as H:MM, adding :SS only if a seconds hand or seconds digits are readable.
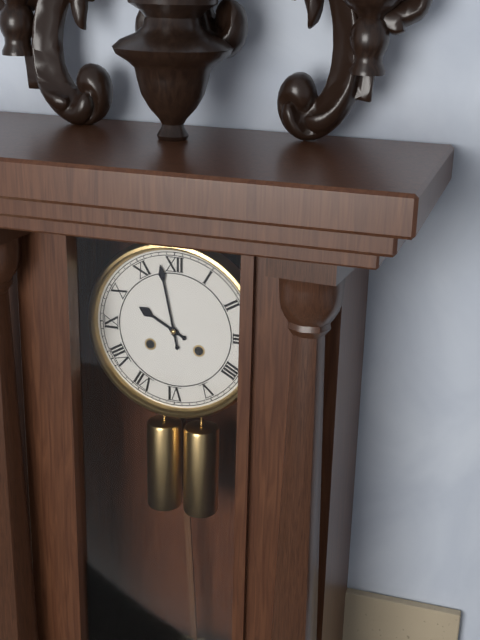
9:58
